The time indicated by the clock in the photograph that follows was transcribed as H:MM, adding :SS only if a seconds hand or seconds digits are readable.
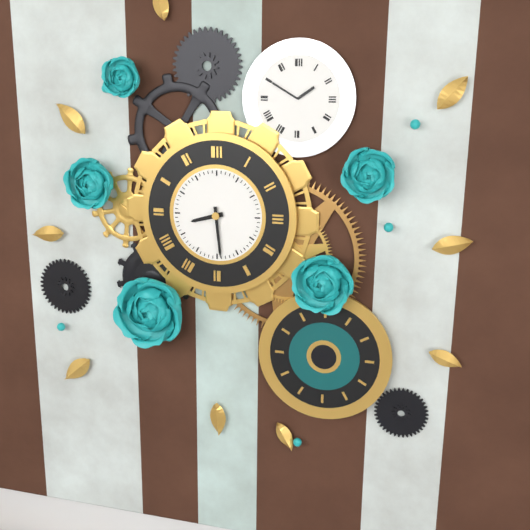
8:29
